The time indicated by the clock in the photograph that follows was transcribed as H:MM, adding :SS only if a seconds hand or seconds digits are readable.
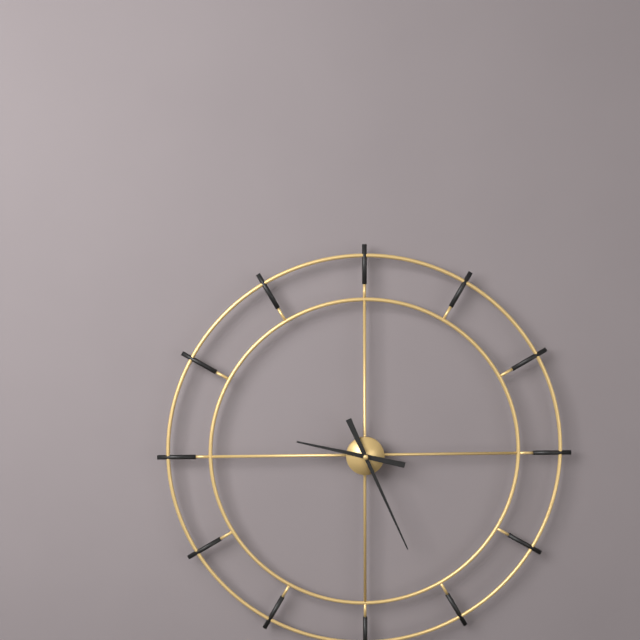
9:26
